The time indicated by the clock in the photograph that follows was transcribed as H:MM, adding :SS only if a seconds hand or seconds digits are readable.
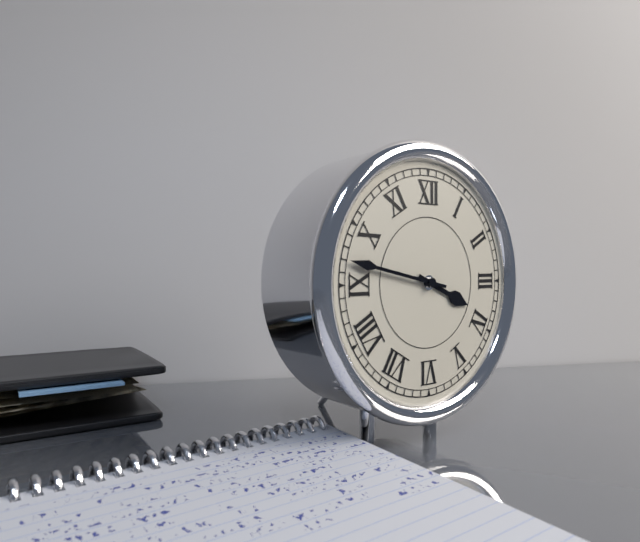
3:47
